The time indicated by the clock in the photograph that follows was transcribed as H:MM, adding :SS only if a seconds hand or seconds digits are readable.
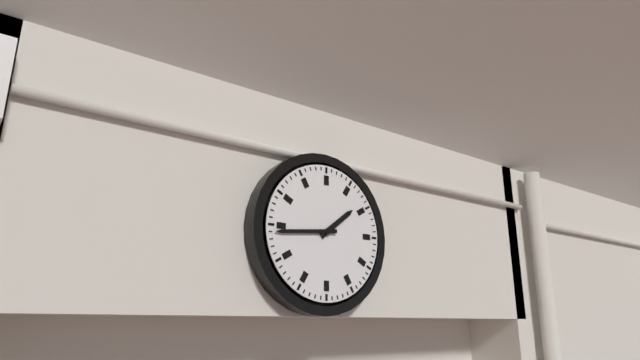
1:44
